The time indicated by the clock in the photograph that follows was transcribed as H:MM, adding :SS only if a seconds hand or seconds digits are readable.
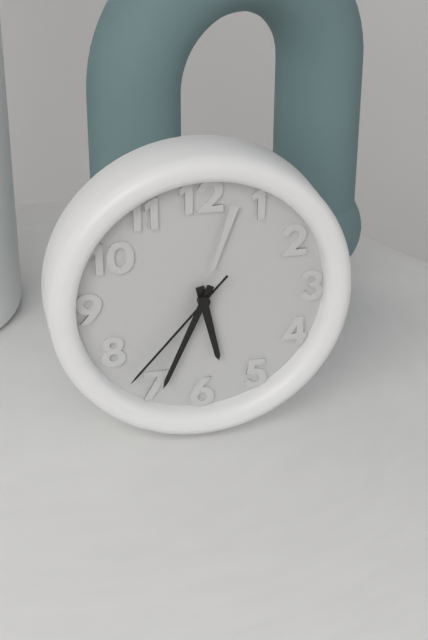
5:34:37
